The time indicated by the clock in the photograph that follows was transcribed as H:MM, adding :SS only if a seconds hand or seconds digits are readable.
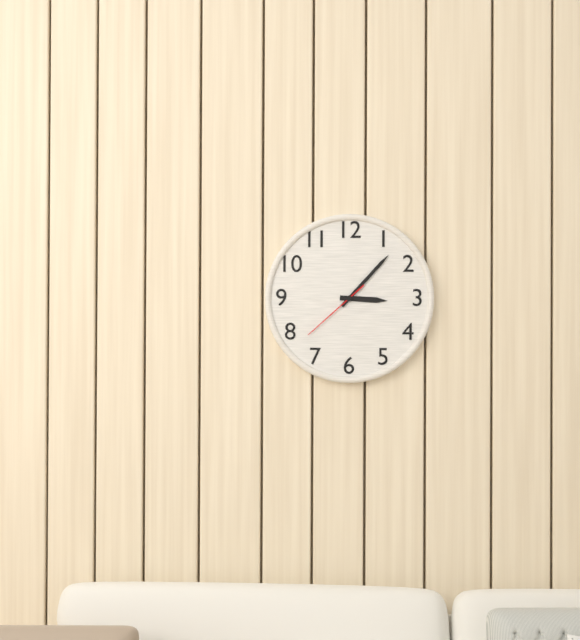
3:07:38
